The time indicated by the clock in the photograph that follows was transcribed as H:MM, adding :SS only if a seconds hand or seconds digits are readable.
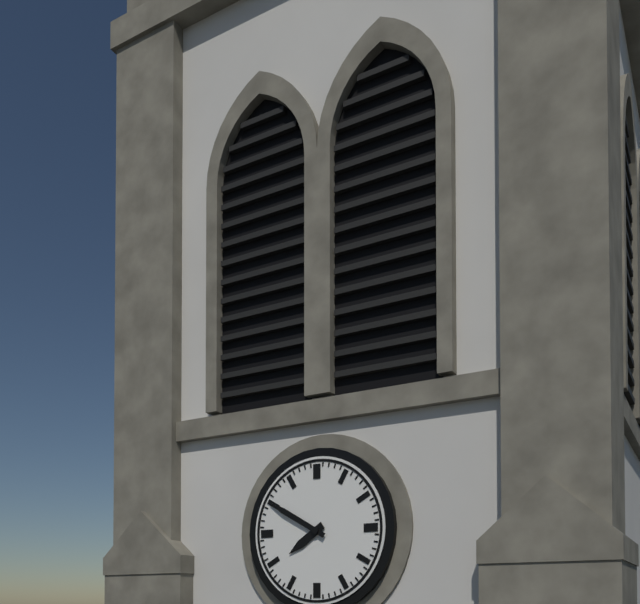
7:50
